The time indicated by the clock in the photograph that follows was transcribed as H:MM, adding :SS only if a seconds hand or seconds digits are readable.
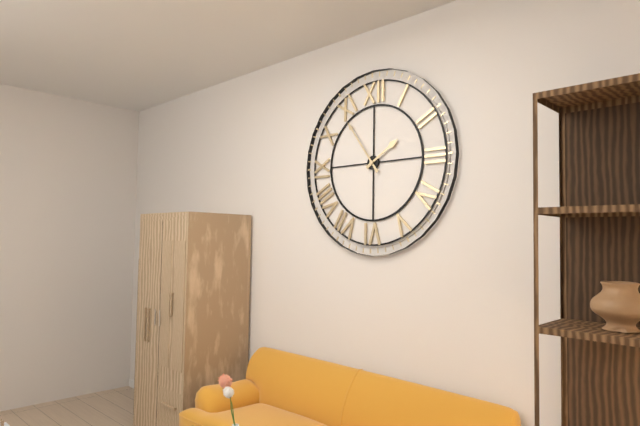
1:54
